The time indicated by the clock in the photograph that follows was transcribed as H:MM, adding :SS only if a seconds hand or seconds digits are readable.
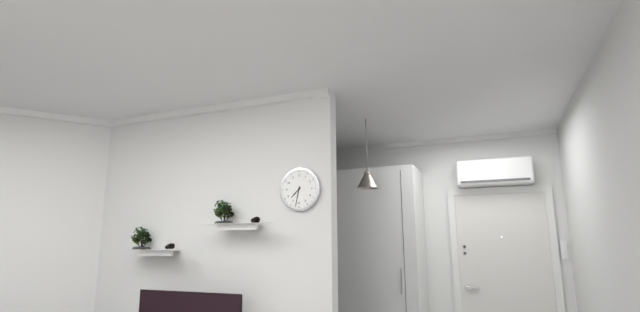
7:32
